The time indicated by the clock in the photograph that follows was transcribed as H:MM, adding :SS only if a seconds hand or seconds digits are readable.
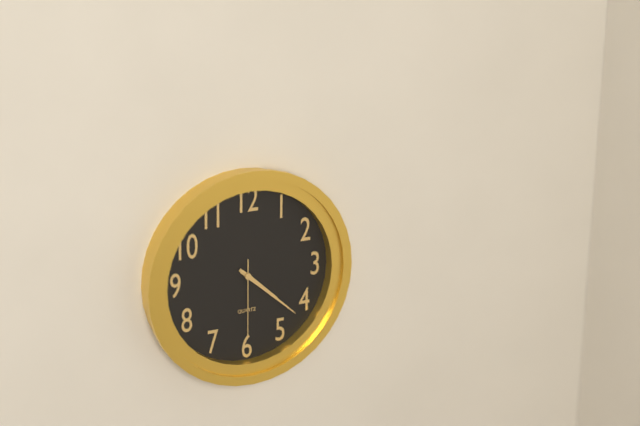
4:22:30
